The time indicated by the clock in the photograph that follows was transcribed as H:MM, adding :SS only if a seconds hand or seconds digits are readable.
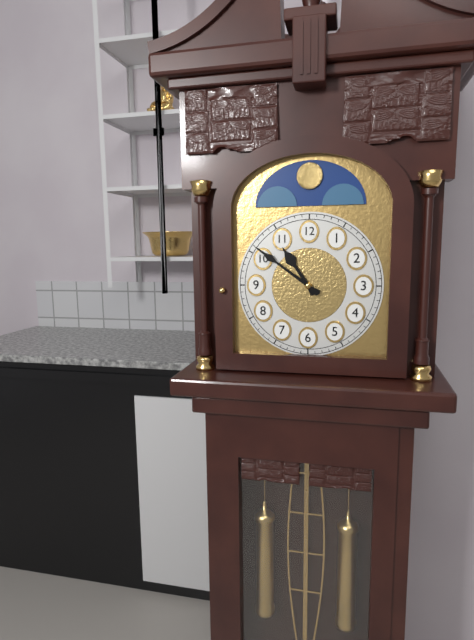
10:51
